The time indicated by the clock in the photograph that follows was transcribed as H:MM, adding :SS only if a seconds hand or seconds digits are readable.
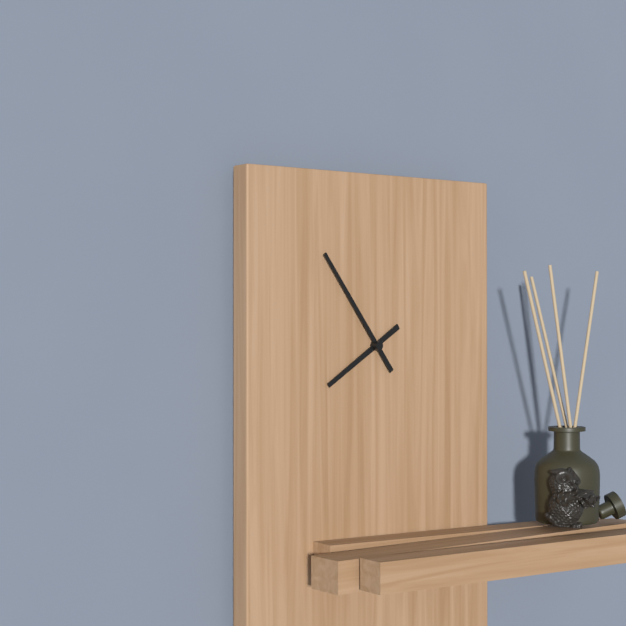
7:54
